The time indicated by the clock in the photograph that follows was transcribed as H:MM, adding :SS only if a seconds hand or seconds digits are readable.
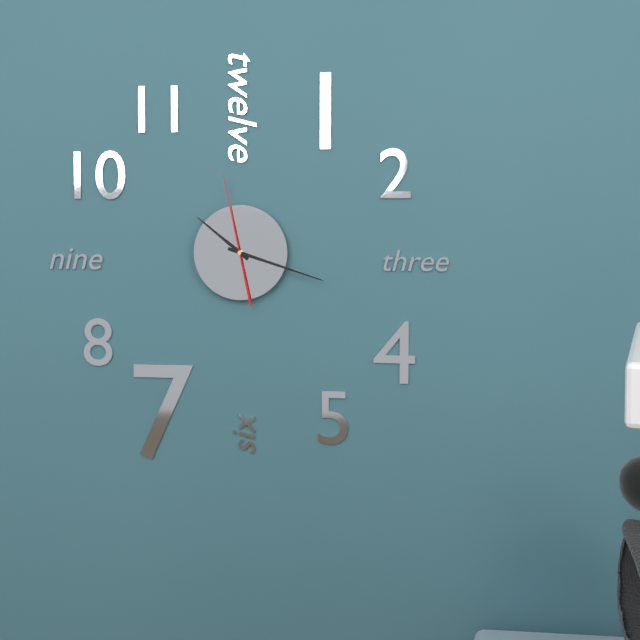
10:18:58
